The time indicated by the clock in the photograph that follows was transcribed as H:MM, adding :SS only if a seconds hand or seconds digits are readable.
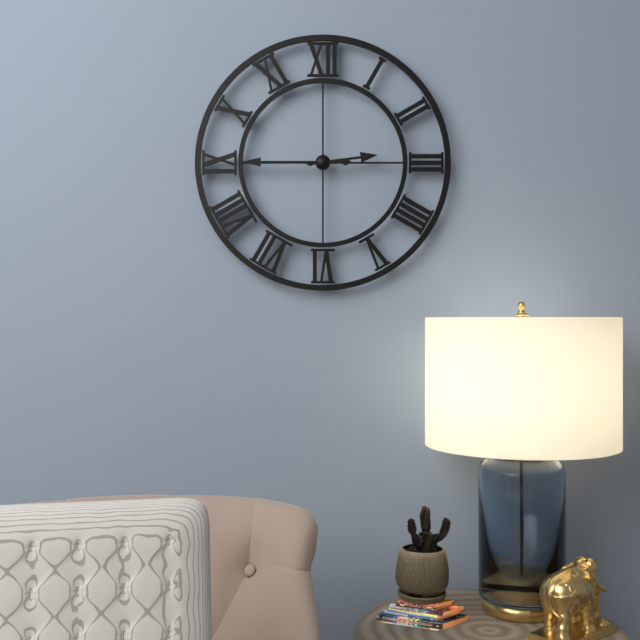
2:45
